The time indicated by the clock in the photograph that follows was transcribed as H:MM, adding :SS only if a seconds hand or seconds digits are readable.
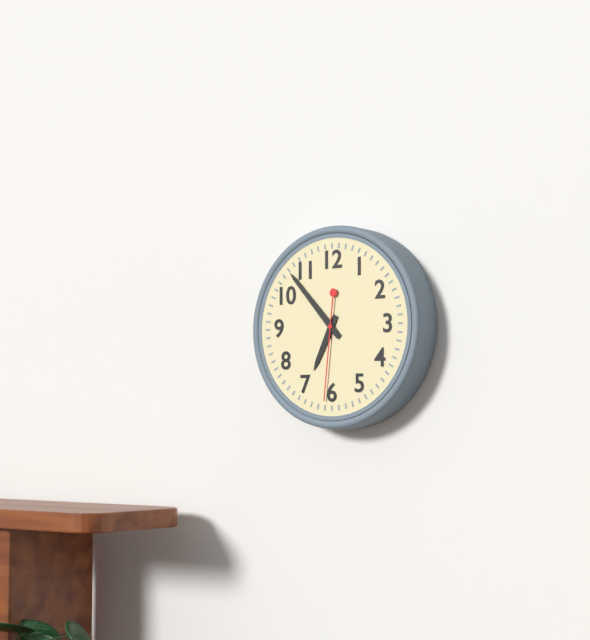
6:53:31
